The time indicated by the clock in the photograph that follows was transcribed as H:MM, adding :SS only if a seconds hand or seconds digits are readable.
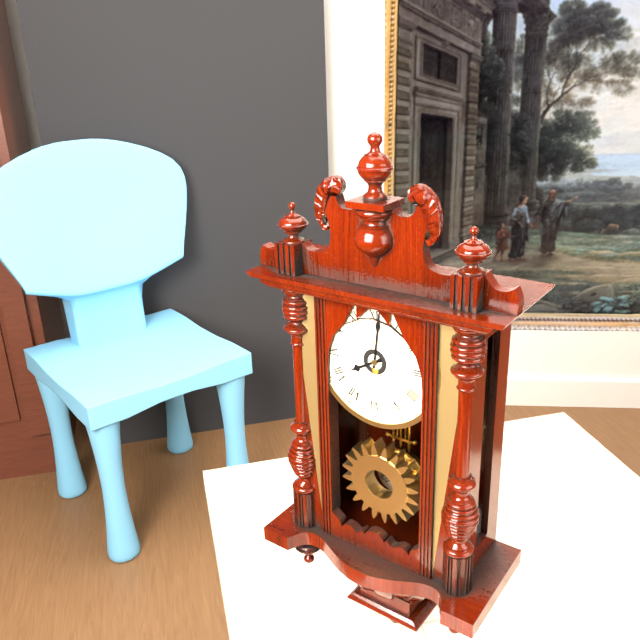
8:01
